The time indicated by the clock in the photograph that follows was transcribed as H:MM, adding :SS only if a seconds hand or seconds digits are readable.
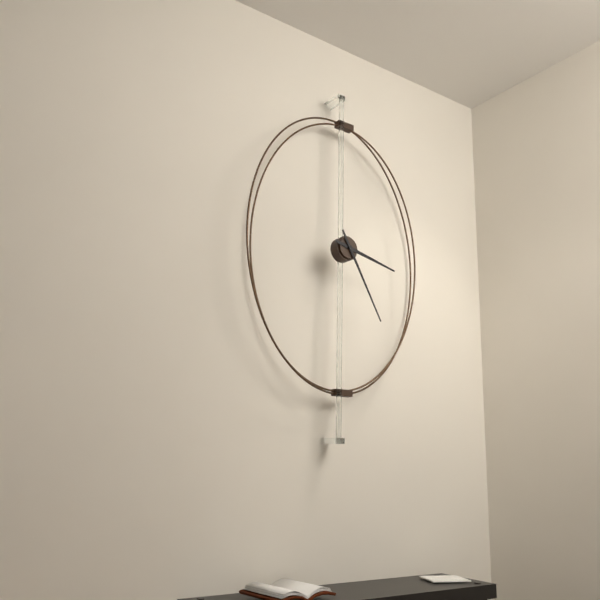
3:25
